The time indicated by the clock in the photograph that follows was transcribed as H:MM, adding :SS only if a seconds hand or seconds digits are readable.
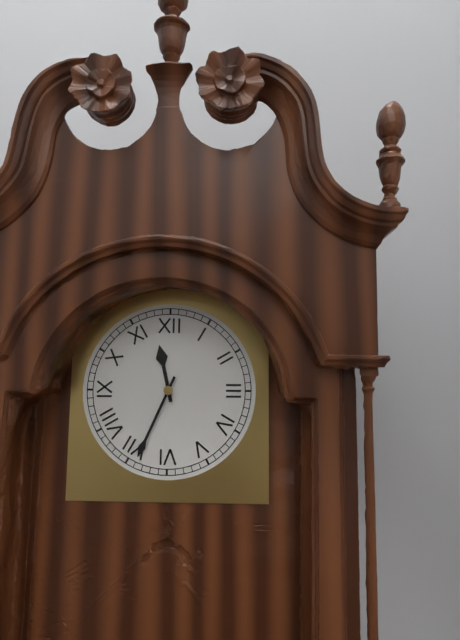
11:34
